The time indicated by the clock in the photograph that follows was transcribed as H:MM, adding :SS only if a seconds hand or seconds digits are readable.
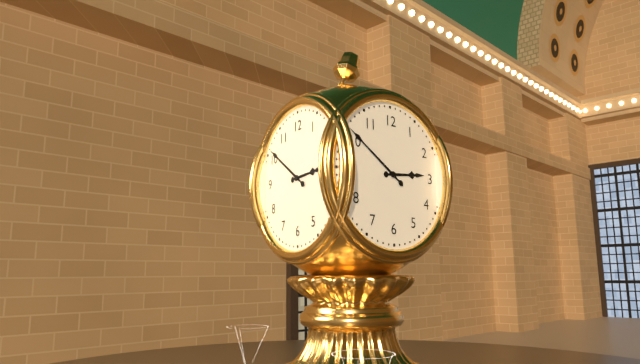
2:51
